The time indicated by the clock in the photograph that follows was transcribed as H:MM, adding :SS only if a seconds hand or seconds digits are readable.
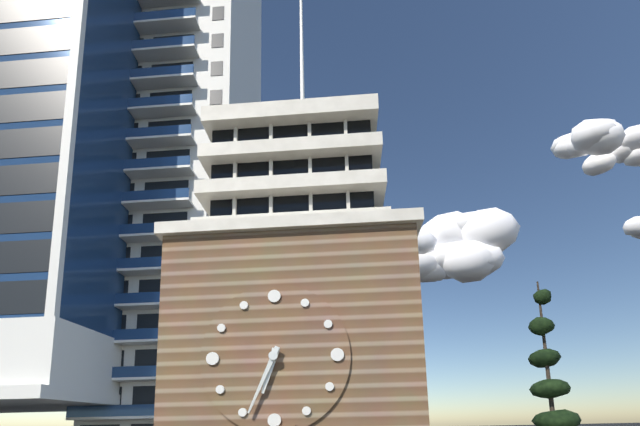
6:34
